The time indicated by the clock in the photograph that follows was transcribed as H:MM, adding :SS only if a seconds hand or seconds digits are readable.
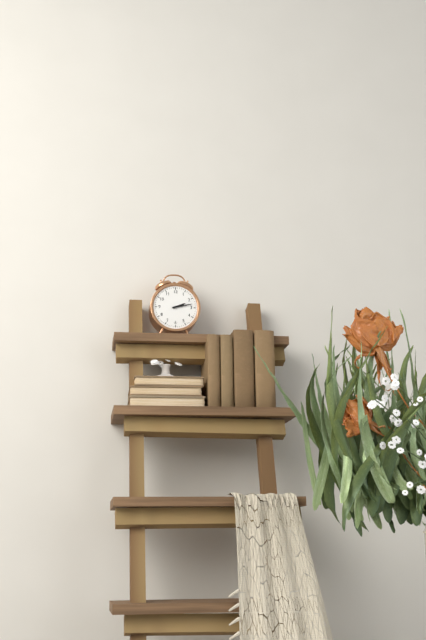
2:13
